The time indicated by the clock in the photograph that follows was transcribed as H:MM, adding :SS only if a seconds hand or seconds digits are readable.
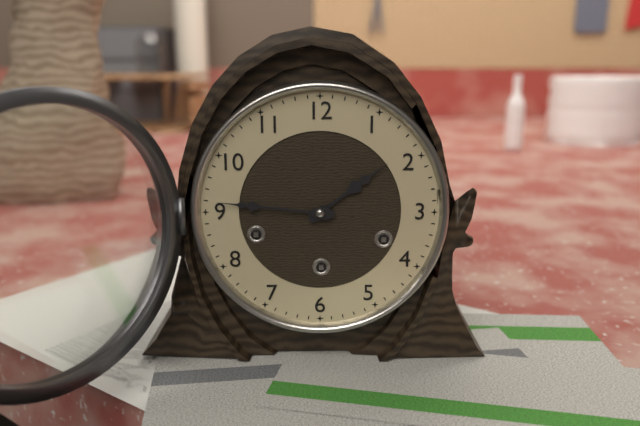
1:46
